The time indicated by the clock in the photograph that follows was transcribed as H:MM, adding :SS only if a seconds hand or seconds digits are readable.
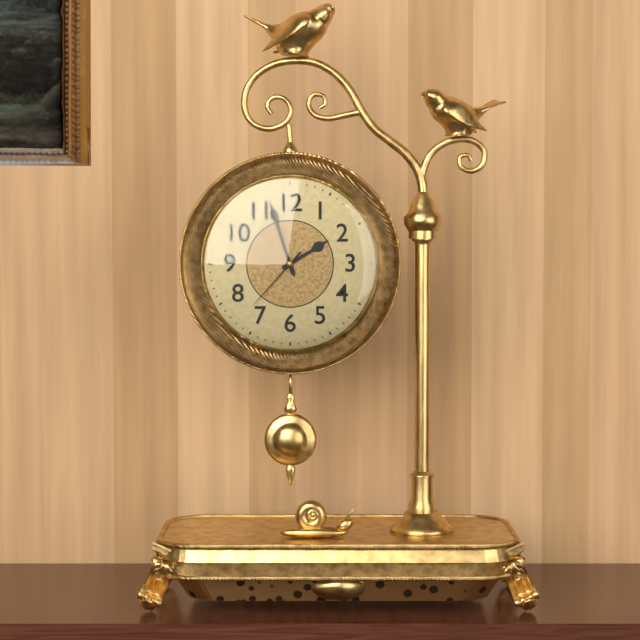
1:57:37
